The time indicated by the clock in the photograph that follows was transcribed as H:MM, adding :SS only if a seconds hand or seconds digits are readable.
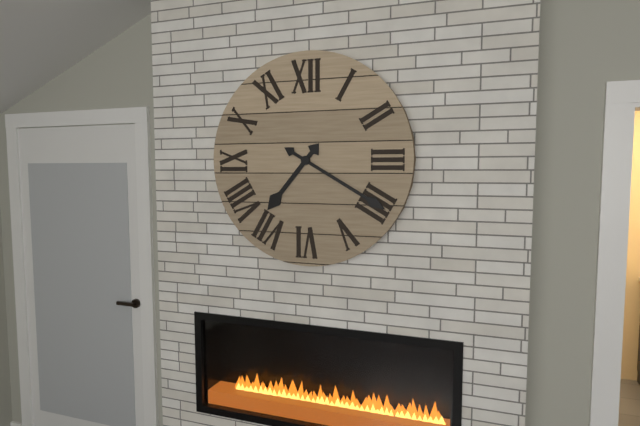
7:20
